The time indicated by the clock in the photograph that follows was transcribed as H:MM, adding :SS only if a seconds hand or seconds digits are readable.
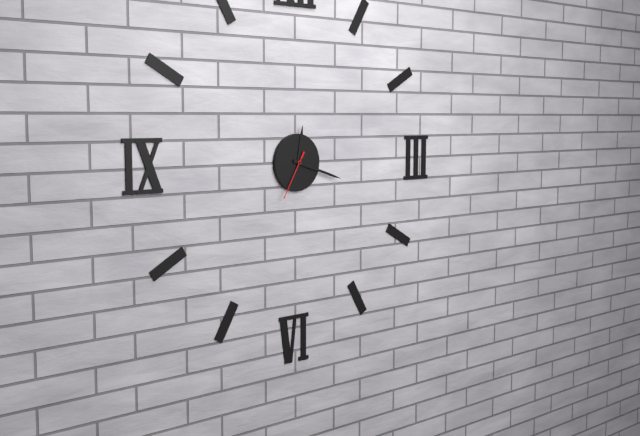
12:18
